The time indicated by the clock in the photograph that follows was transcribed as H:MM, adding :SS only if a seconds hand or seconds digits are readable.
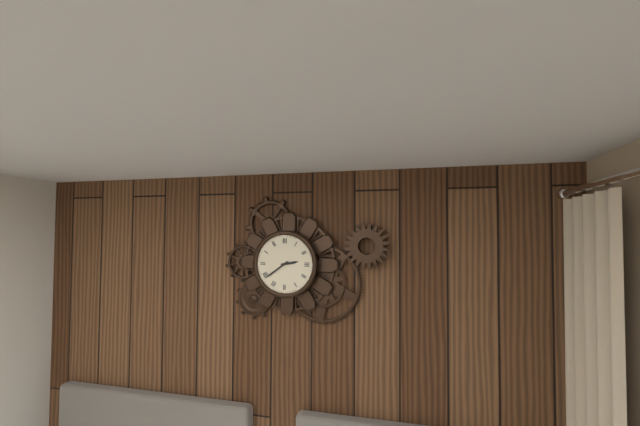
2:39
